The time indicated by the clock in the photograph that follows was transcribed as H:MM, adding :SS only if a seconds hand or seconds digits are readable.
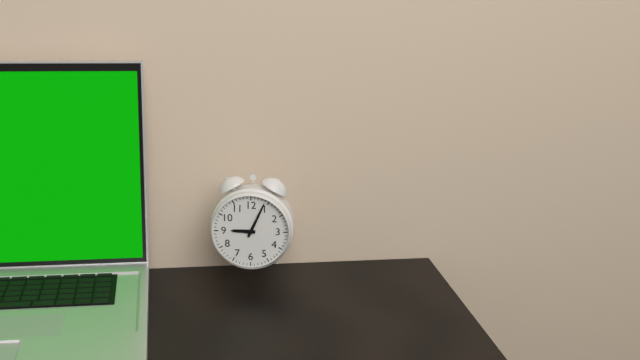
9:04
